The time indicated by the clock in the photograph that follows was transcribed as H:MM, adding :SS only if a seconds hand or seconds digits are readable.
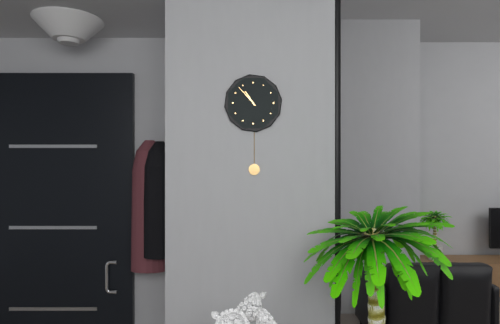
10:53
